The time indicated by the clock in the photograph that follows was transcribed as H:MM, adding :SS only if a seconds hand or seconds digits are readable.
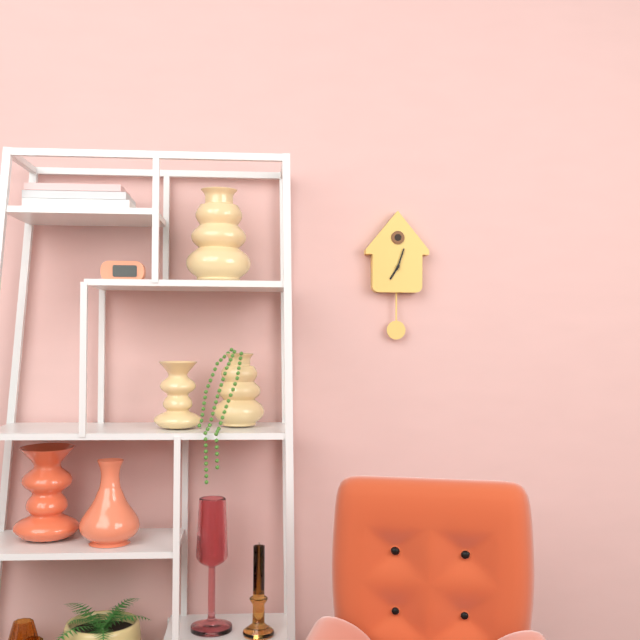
7:03
